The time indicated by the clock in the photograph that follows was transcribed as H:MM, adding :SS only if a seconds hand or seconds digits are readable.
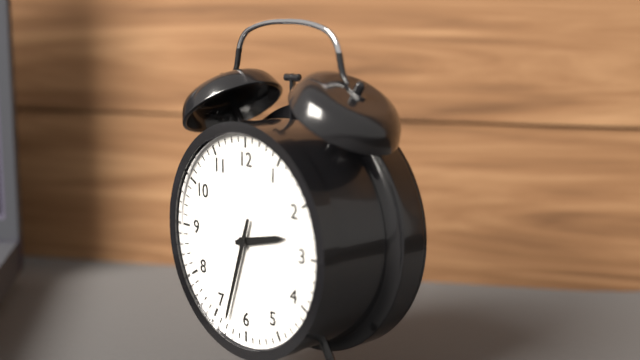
2:33
